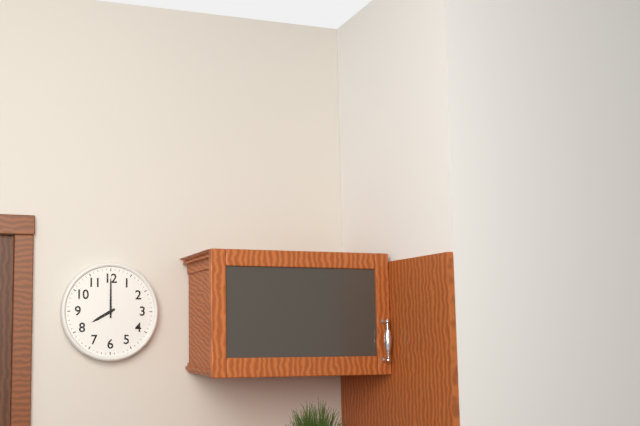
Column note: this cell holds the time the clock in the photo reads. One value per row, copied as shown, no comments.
8:00
